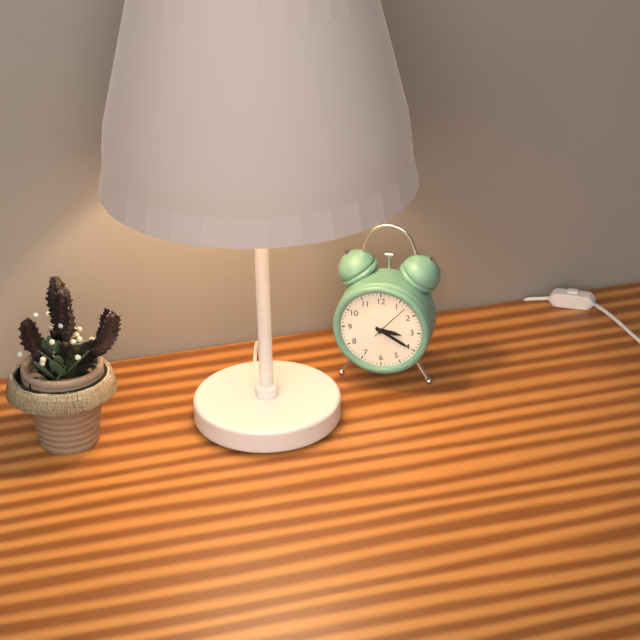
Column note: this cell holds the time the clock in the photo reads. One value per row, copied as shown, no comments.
3:20
